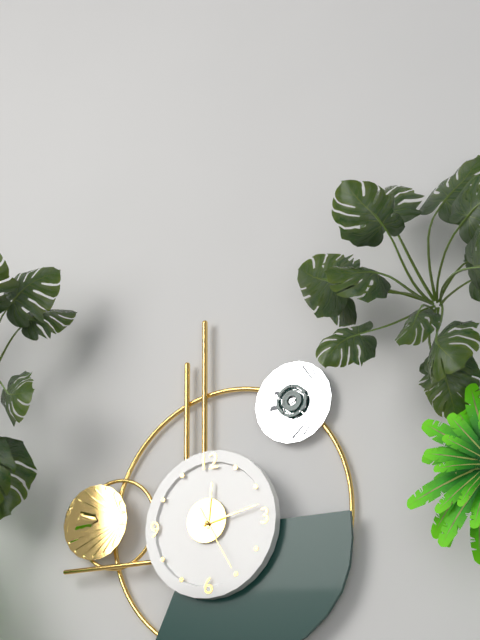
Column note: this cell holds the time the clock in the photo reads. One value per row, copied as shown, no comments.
12:13:25
